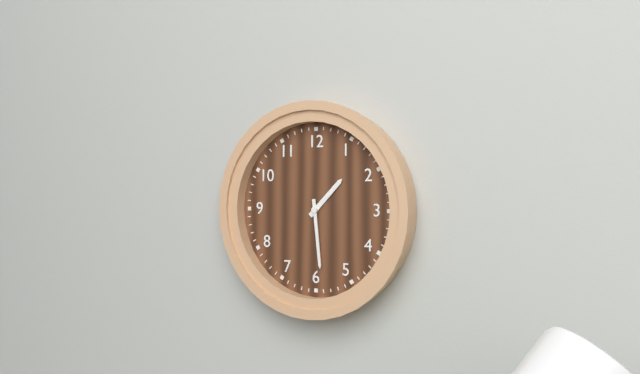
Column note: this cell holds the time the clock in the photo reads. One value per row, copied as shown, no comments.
1:29
